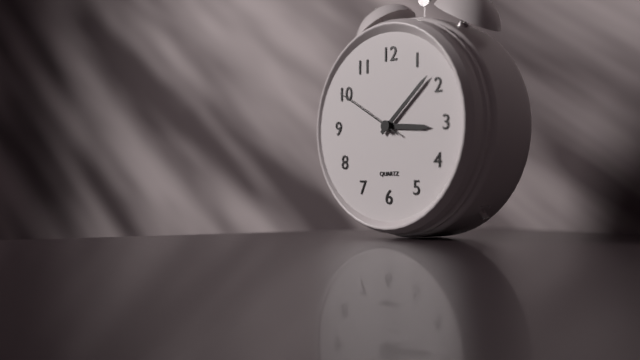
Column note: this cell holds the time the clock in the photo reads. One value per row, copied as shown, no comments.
3:08:50
